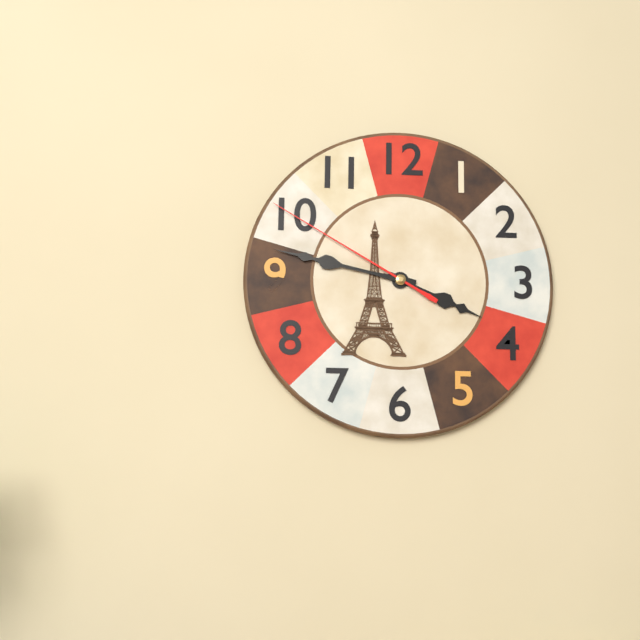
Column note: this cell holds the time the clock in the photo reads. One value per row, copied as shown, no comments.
3:47:50
